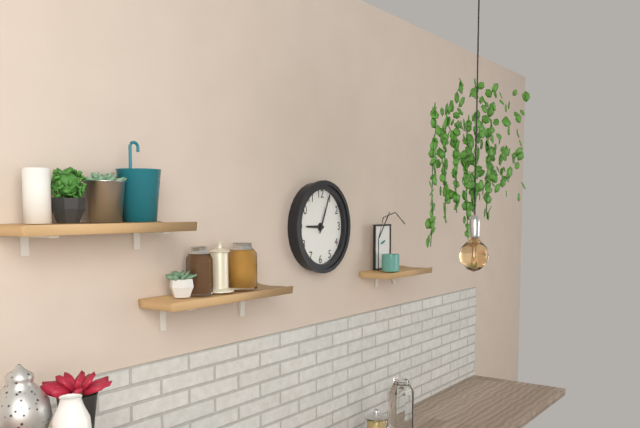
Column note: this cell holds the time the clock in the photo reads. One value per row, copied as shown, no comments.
9:04
